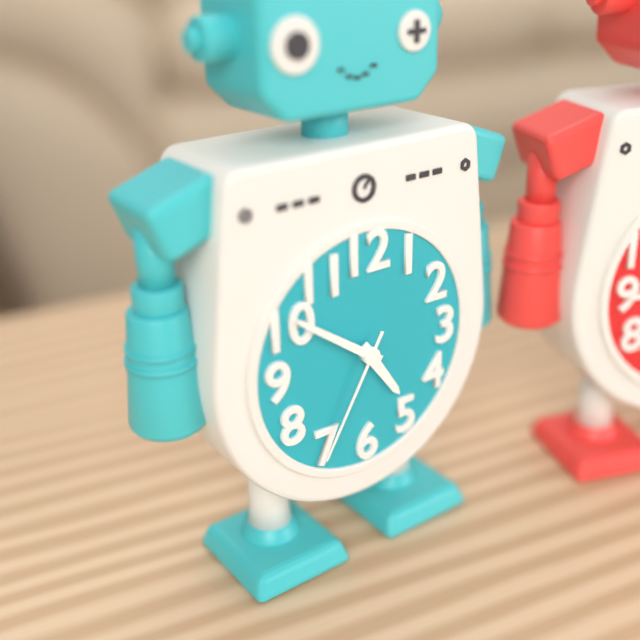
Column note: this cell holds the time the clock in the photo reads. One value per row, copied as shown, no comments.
4:51:35
